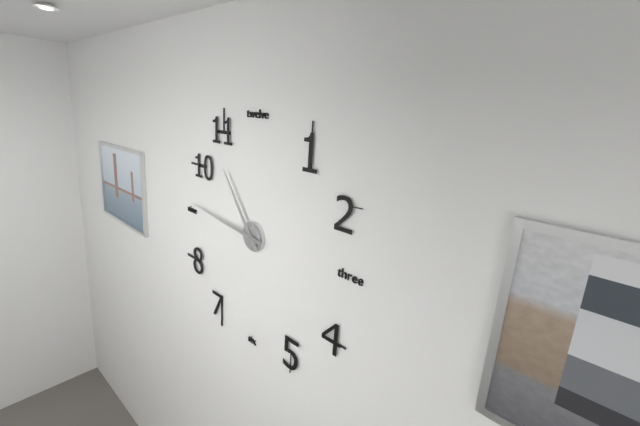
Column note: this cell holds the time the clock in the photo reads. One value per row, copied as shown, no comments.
10:46
